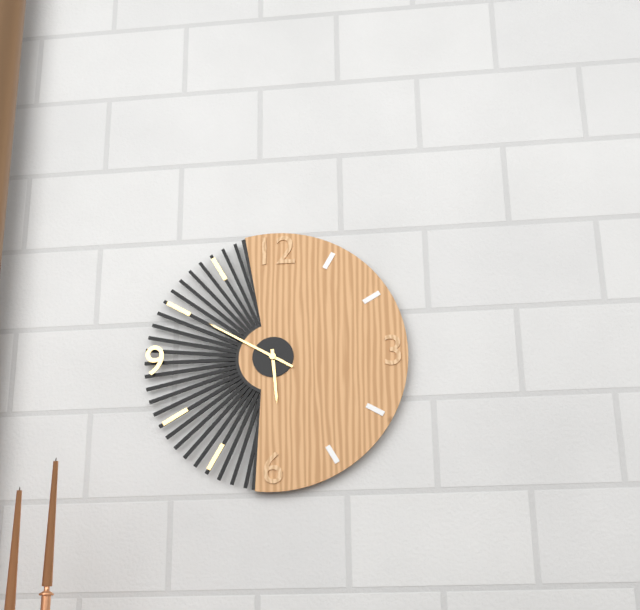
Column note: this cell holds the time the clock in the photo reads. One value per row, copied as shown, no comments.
5:50
